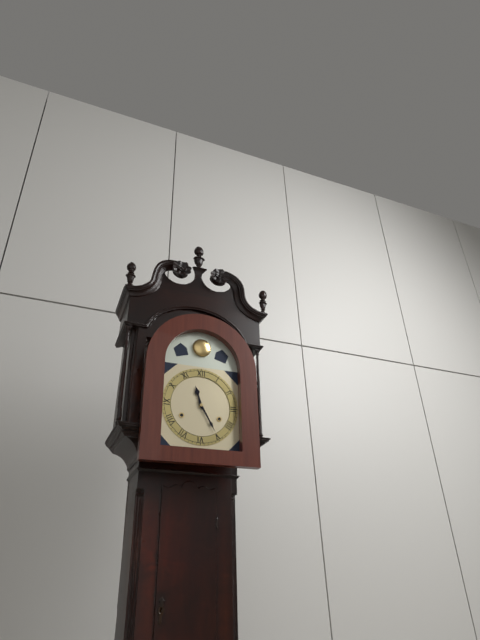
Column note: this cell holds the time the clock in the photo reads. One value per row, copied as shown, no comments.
11:25
